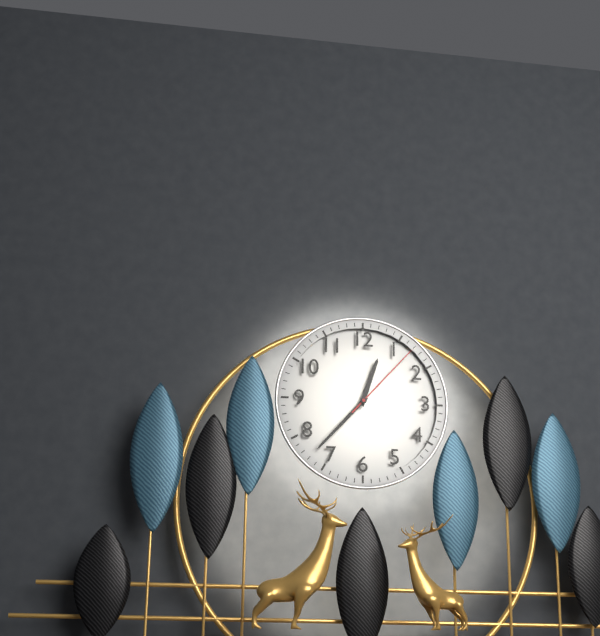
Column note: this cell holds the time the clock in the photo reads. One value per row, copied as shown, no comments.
12:37:07
